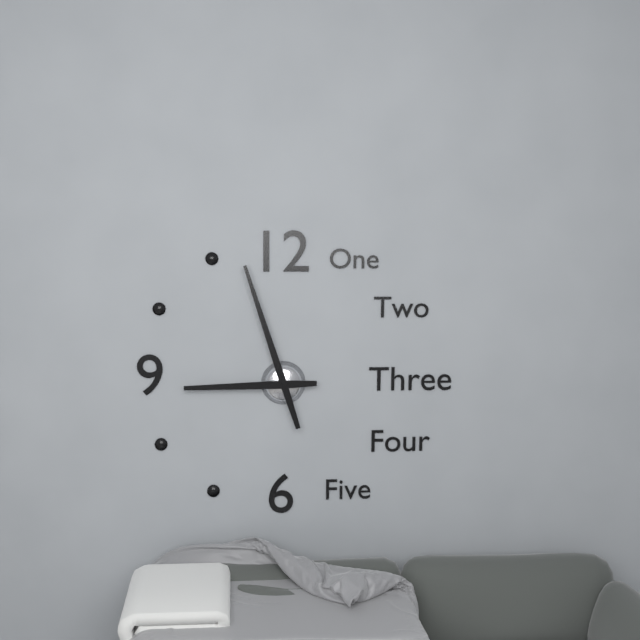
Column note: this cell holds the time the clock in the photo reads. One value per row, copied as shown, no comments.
8:57
